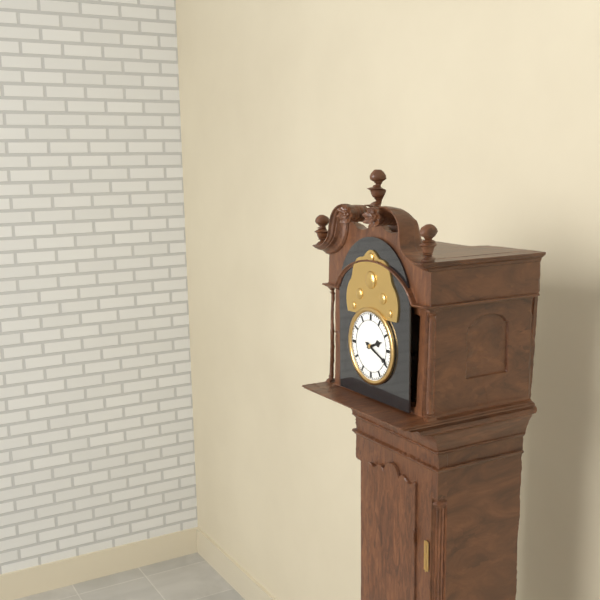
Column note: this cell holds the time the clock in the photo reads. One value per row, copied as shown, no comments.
2:19
